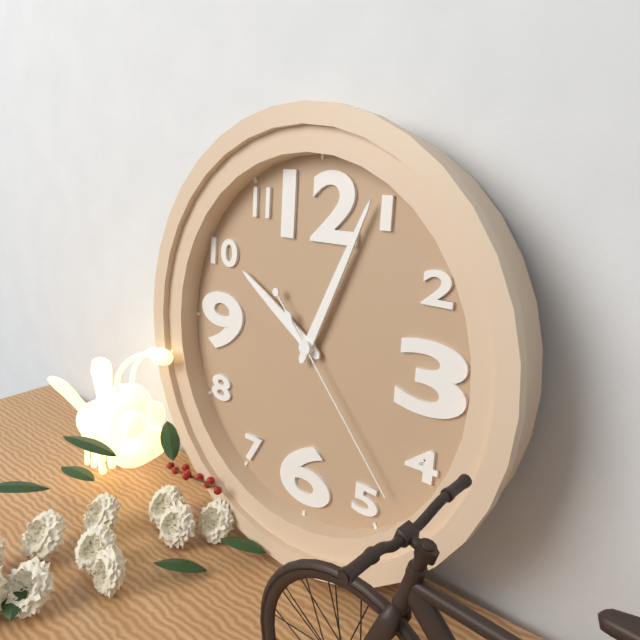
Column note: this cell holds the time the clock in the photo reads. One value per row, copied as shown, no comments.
10:04:23
